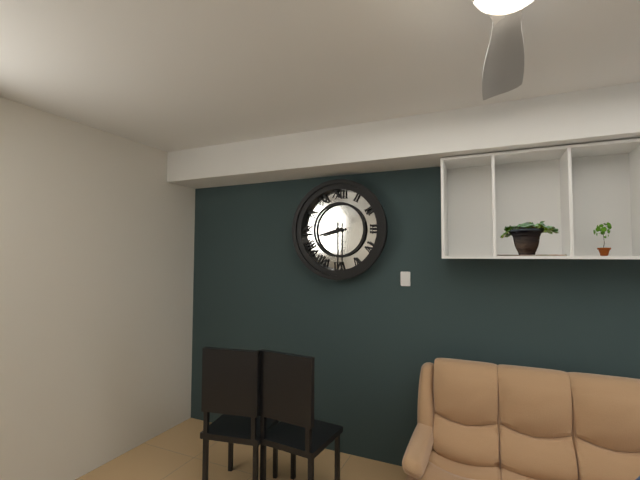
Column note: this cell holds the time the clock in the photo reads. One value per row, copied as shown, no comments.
8:30
